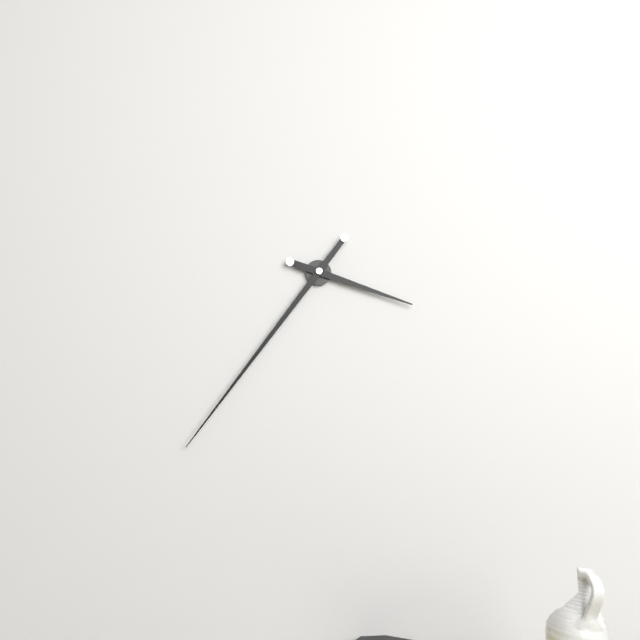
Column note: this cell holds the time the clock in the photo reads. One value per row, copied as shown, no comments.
3:36
